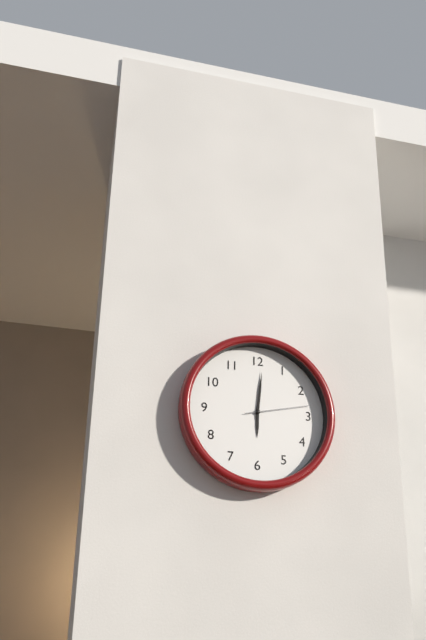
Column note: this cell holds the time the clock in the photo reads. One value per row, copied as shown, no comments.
6:01:13
